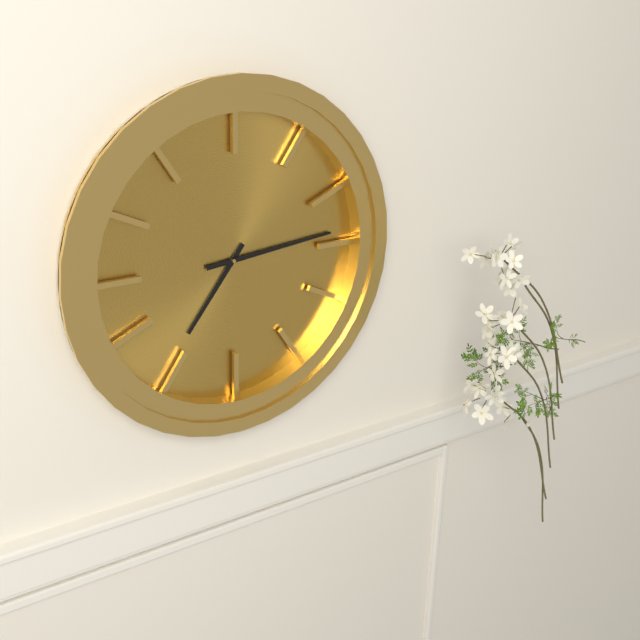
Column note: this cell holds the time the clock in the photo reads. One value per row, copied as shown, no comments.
7:14
